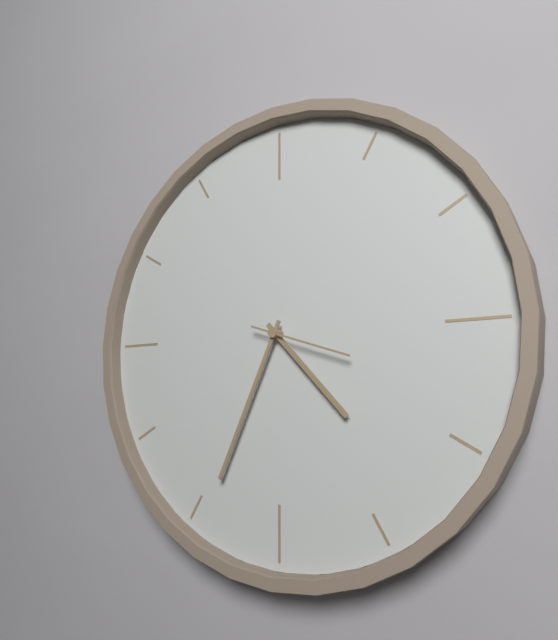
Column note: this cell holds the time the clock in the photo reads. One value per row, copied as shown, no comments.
4:34:18
